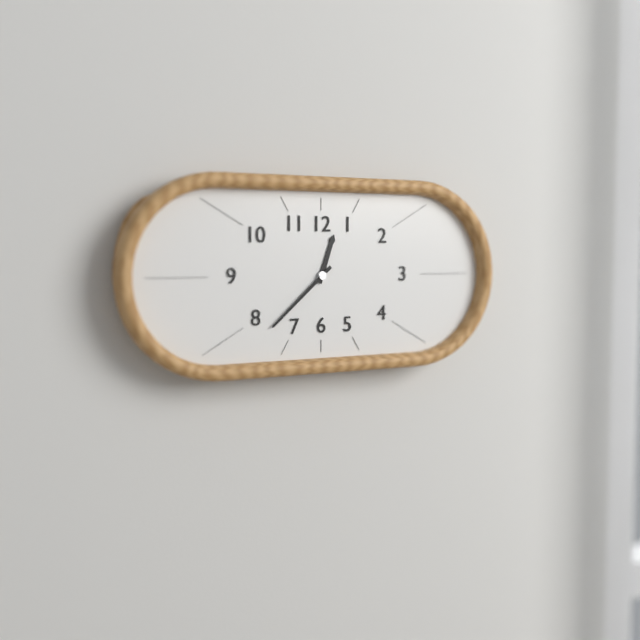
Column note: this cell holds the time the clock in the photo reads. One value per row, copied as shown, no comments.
12:38
